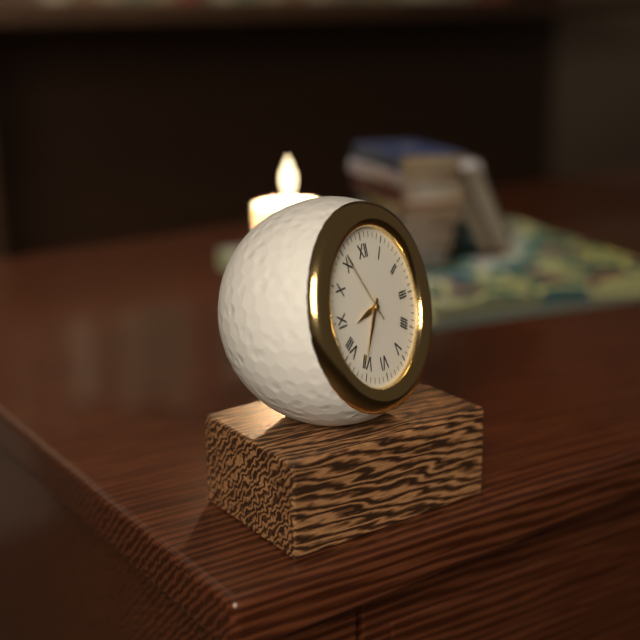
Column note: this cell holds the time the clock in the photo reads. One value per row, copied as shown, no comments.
8:36:55
